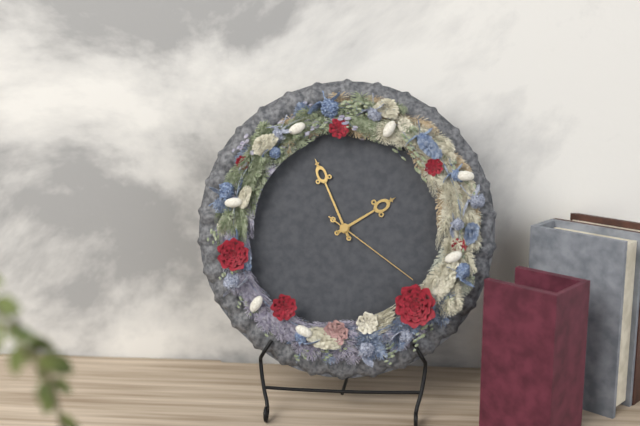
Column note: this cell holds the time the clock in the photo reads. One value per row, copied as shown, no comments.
1:56:21
